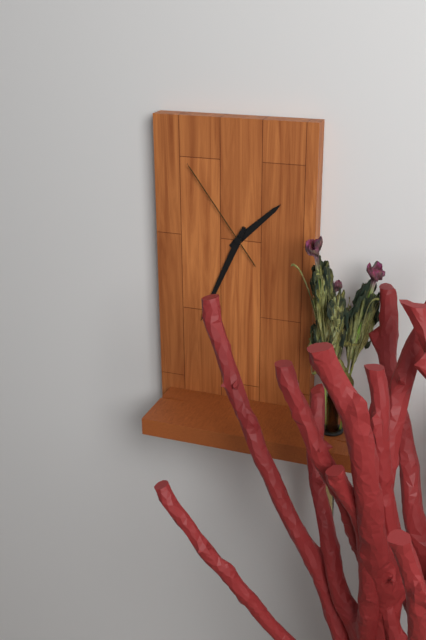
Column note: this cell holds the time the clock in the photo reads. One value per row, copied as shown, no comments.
1:34:54
